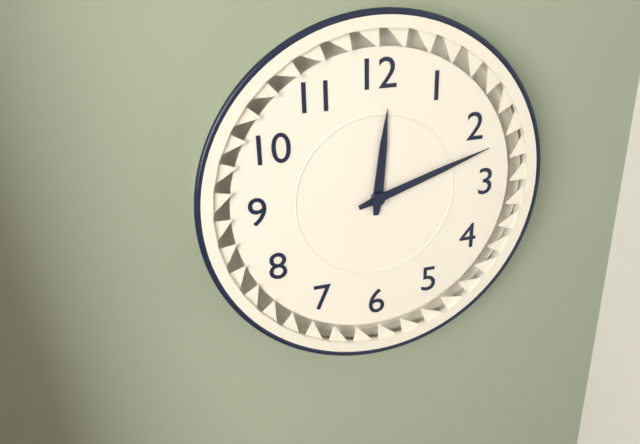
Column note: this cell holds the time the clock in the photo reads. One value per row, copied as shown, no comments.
12:12
